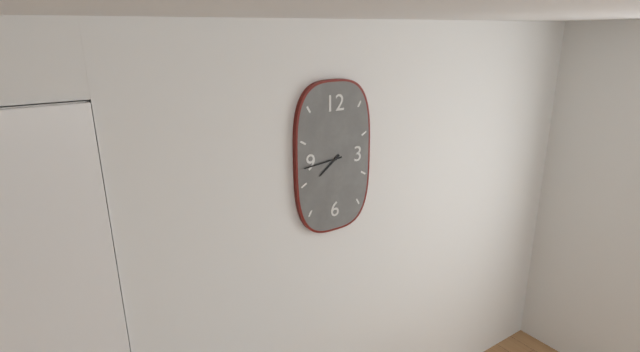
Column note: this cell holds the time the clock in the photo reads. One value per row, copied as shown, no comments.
7:44
